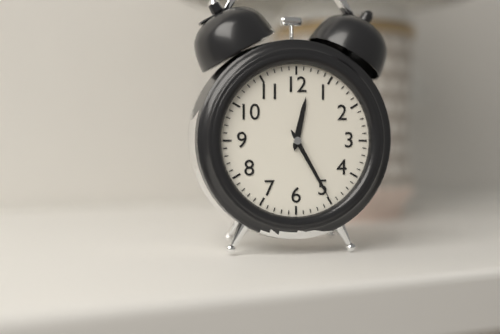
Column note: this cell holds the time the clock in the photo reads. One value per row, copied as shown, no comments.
12:25
